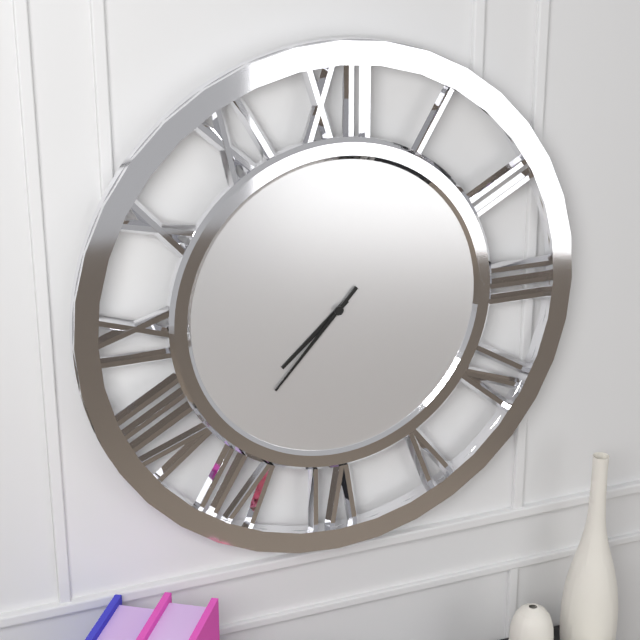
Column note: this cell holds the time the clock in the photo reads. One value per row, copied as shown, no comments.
7:37
